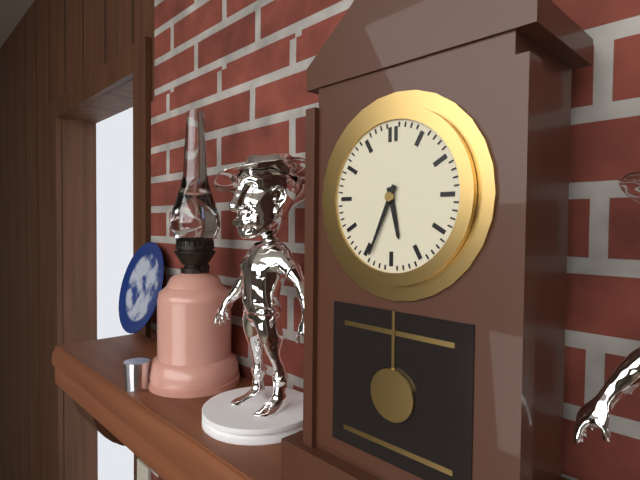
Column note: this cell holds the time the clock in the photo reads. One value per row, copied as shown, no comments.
5:34
